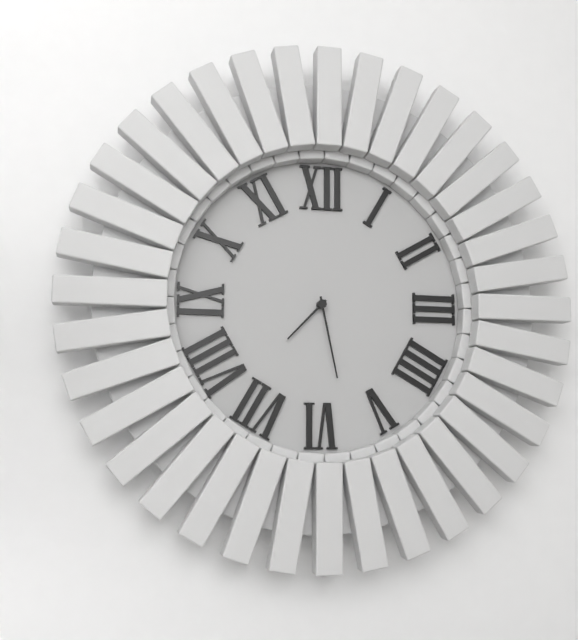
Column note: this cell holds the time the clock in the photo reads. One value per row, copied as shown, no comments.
7:28
